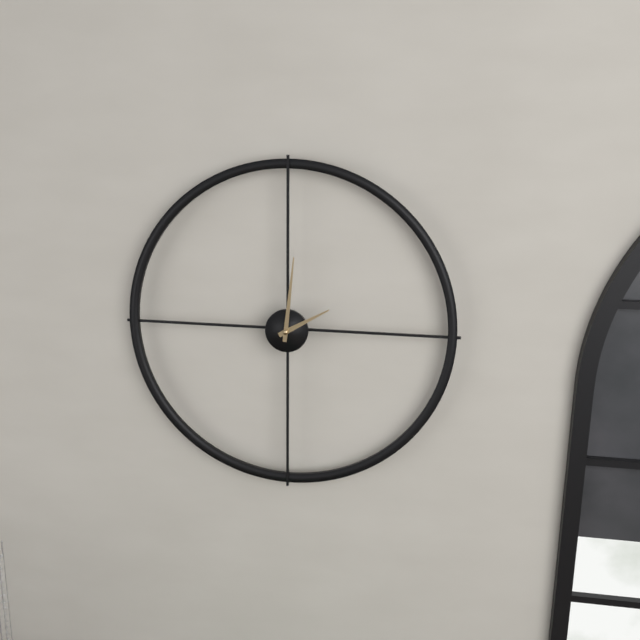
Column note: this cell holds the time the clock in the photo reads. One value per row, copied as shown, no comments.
2:01
